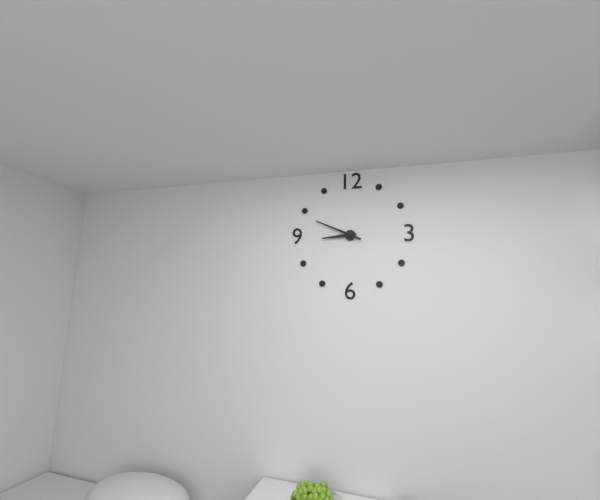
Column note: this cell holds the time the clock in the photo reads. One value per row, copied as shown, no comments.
8:49
